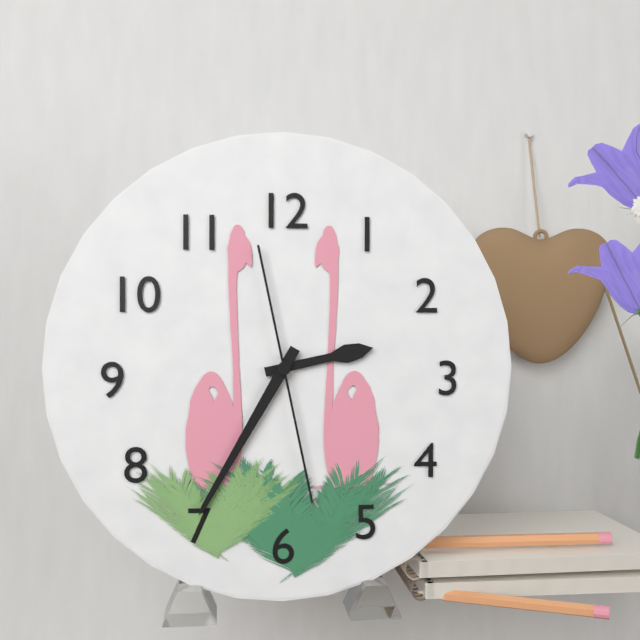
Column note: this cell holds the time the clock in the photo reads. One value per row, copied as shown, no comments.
2:35:28
